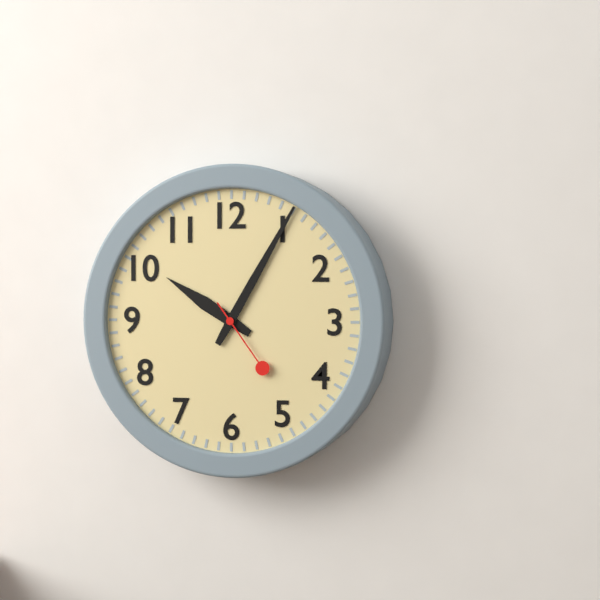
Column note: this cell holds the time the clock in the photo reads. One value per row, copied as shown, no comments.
10:05:24
